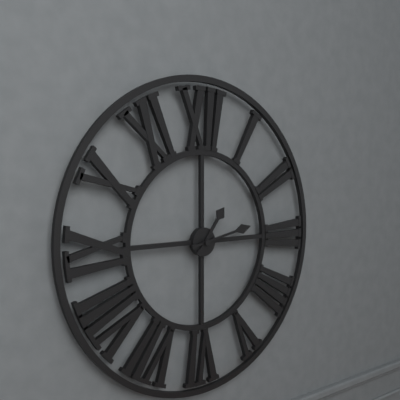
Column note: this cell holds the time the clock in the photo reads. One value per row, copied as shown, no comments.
1:13
